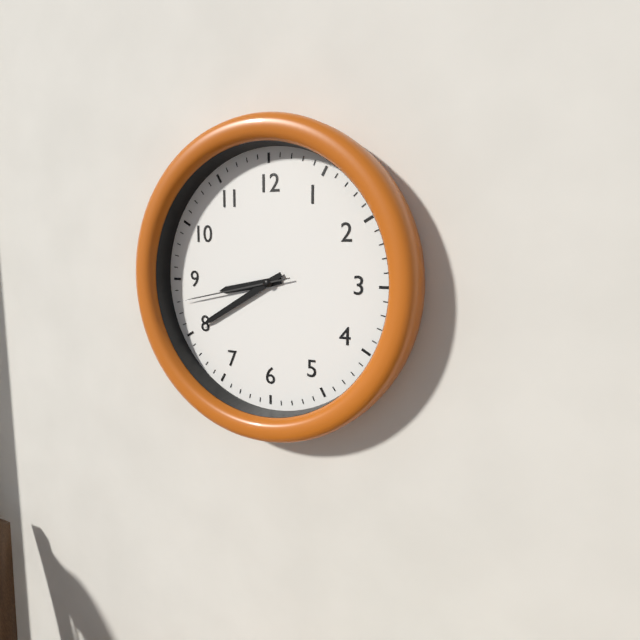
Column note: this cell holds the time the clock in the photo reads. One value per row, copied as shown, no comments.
8:40:43
